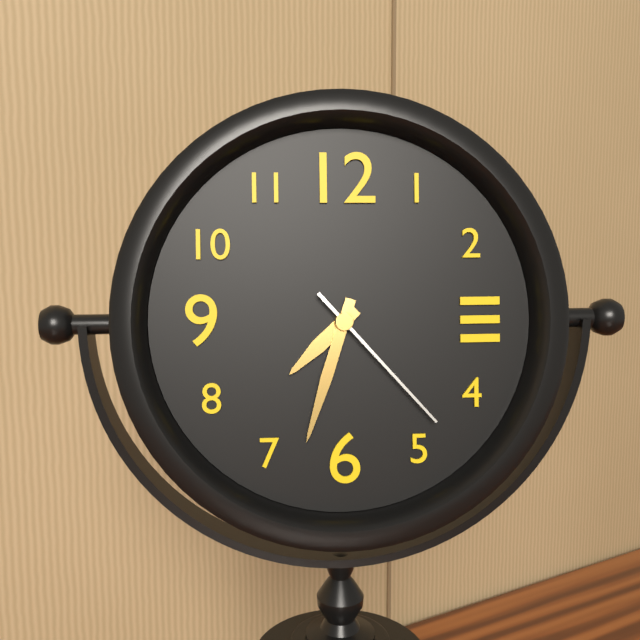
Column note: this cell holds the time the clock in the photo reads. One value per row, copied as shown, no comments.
7:33:23
